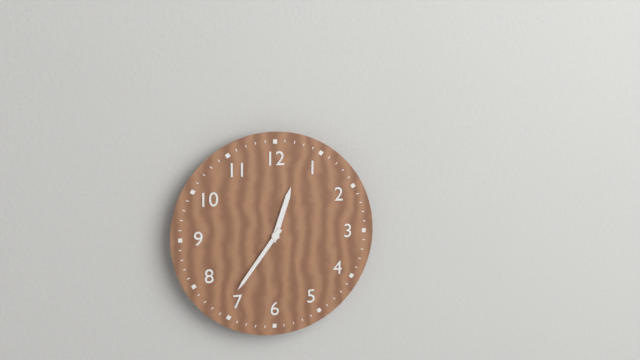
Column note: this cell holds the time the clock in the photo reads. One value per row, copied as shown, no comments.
12:36
